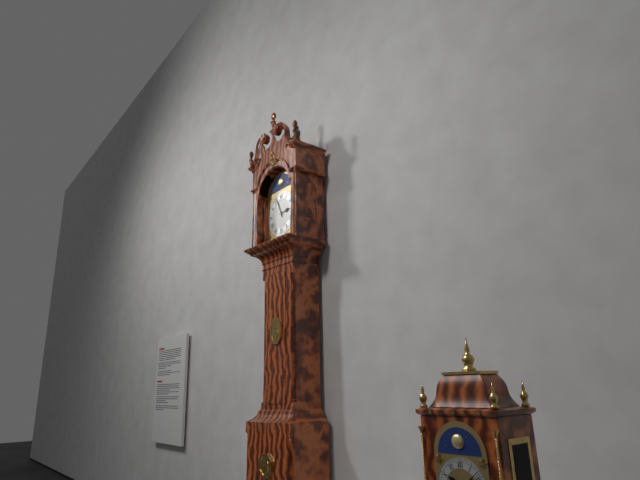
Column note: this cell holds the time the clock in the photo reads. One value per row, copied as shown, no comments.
2:56
